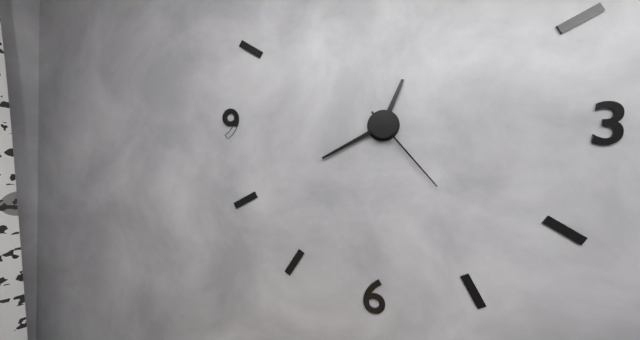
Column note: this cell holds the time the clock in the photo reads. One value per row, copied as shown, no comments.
12:40:23
